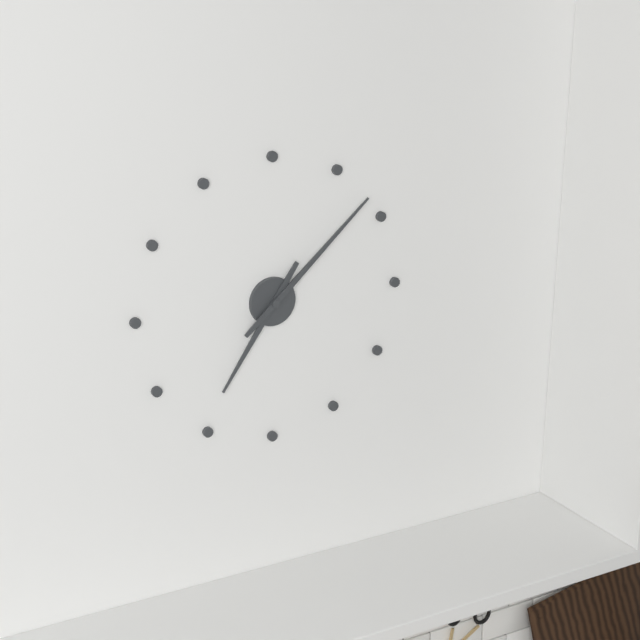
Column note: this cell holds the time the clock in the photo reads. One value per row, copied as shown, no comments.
7:08
